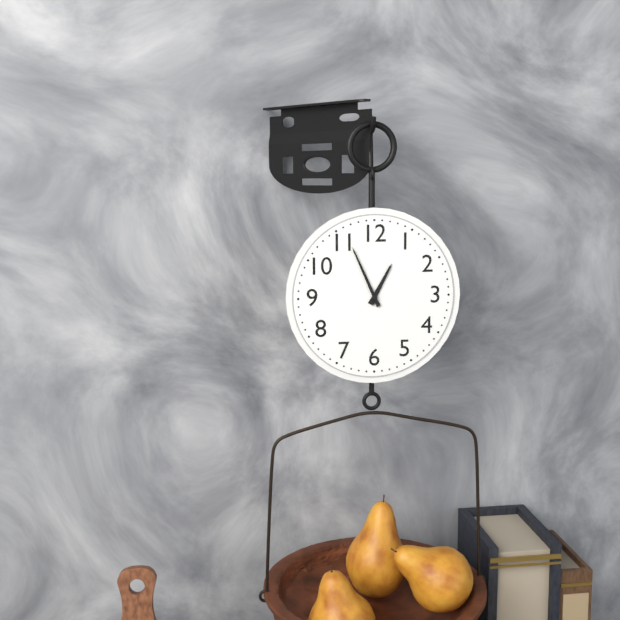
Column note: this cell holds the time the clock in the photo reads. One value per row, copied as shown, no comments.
12:56
